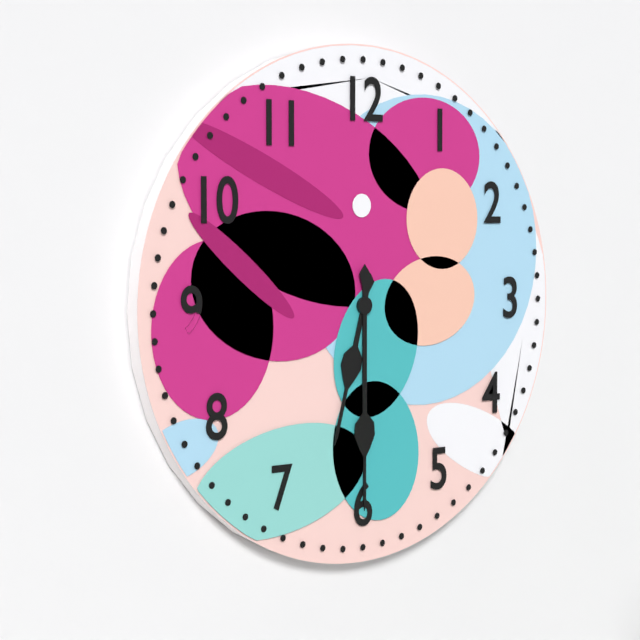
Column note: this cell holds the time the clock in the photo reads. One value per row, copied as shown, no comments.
6:30
